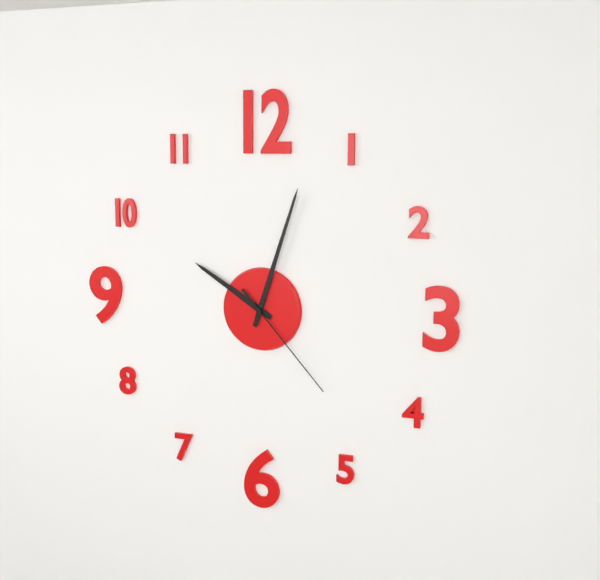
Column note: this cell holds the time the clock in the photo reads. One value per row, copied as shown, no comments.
10:03:23
